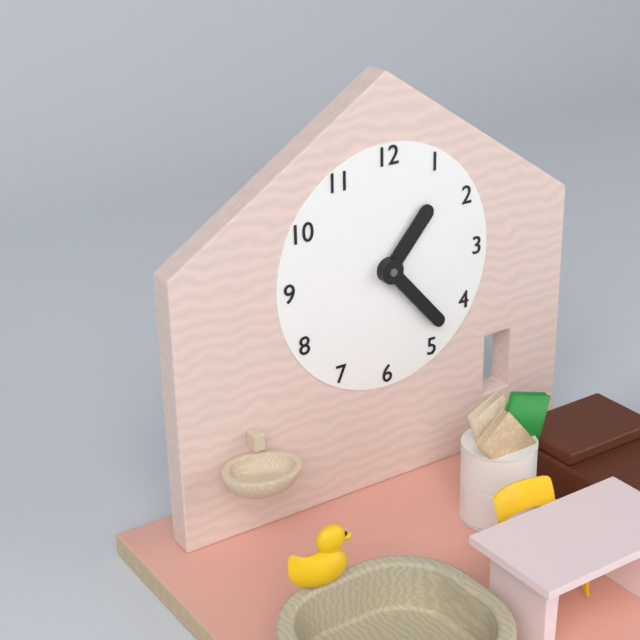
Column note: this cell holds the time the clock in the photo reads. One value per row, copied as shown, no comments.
1:23
